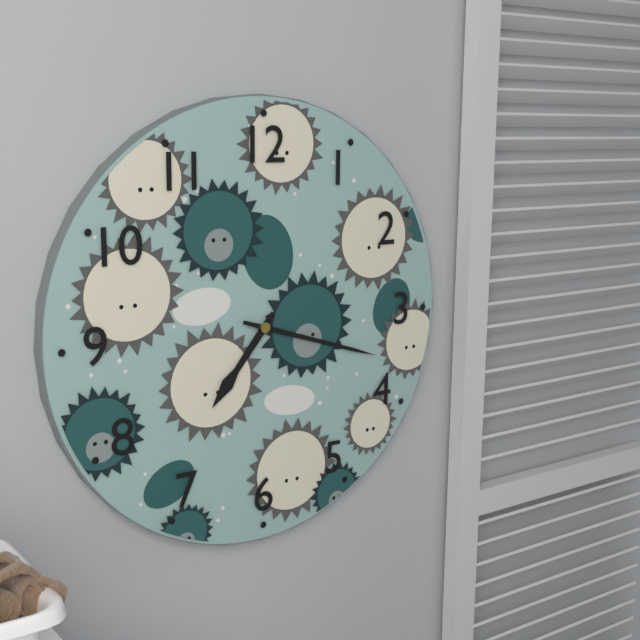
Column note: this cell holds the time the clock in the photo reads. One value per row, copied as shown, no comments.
7:18
